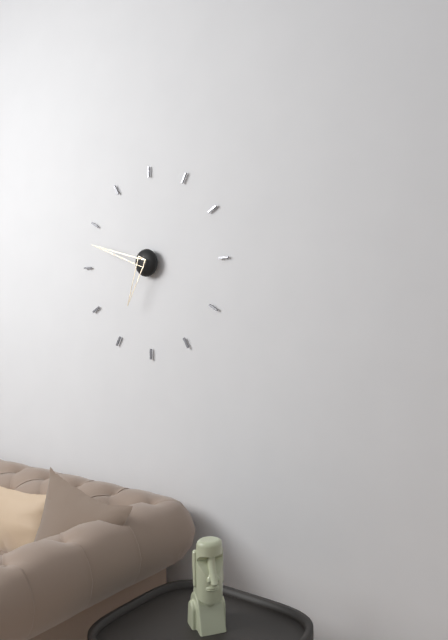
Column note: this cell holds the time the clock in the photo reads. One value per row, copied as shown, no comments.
6:48
